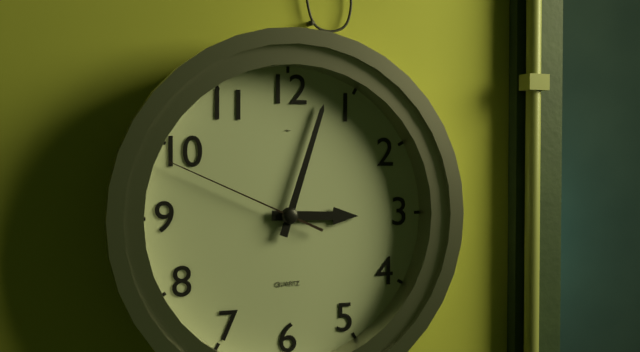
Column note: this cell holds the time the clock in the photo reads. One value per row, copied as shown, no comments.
3:03:49
